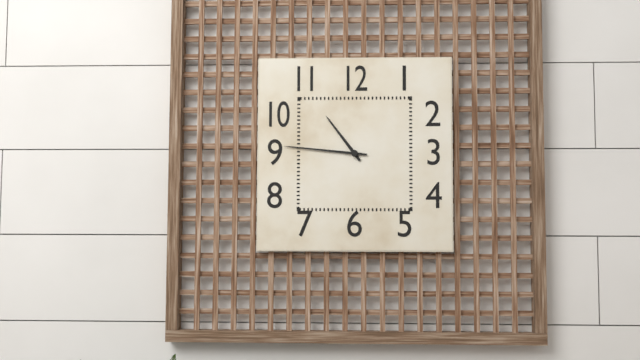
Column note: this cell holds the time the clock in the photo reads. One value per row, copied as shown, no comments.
10:46
